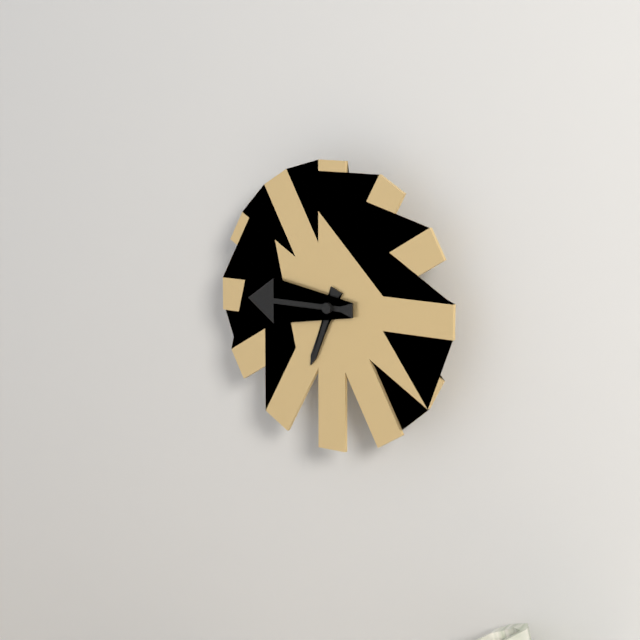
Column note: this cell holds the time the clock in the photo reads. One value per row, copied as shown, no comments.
6:45
